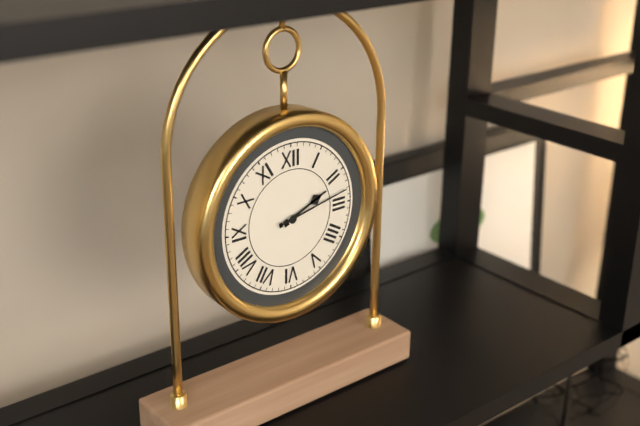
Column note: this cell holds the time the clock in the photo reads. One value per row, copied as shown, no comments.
2:13
